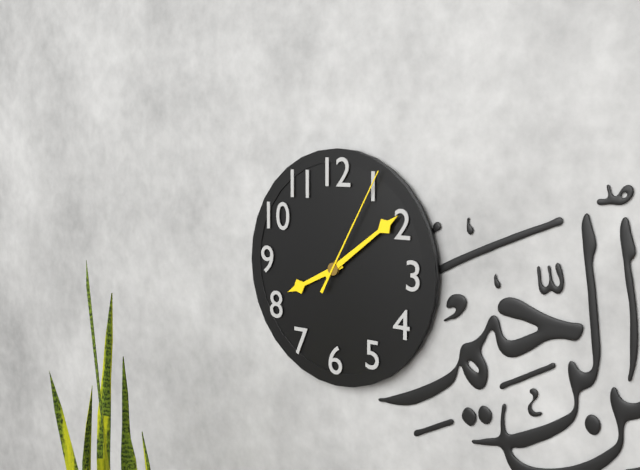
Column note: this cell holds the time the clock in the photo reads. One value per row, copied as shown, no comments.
8:09:05
